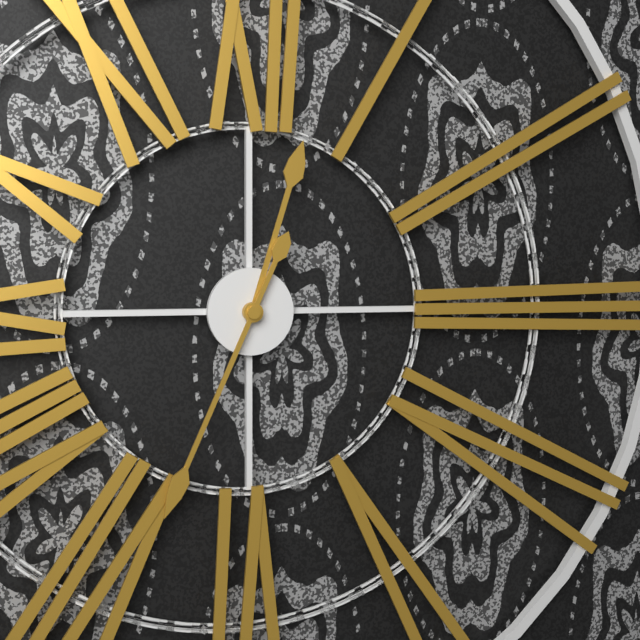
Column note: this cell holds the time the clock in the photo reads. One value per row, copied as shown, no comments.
12:34
